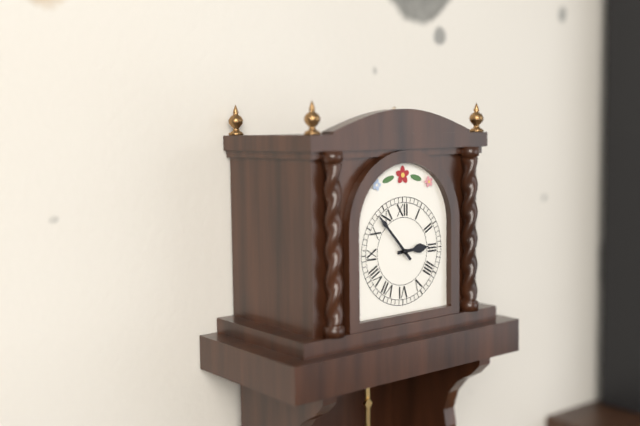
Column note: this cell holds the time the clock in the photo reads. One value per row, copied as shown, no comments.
2:53
